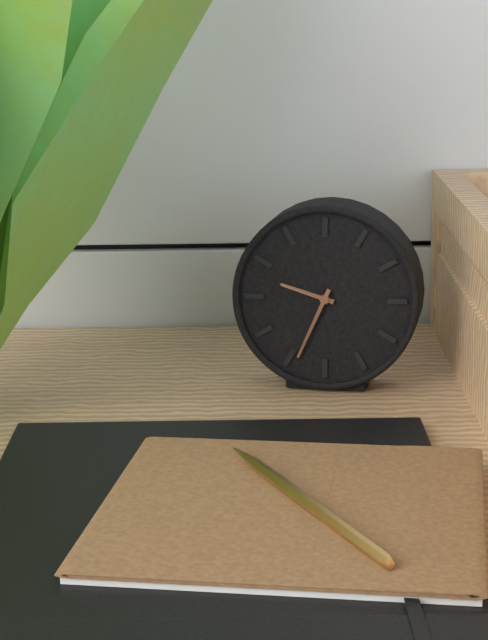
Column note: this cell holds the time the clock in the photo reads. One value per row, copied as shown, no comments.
9:34
